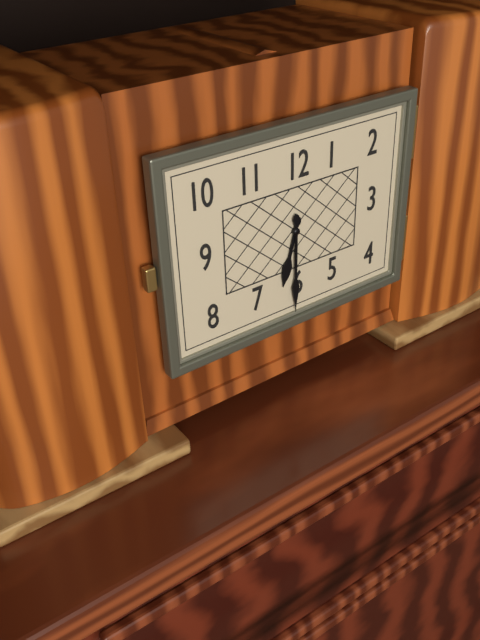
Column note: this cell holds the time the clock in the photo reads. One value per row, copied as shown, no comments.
6:30
